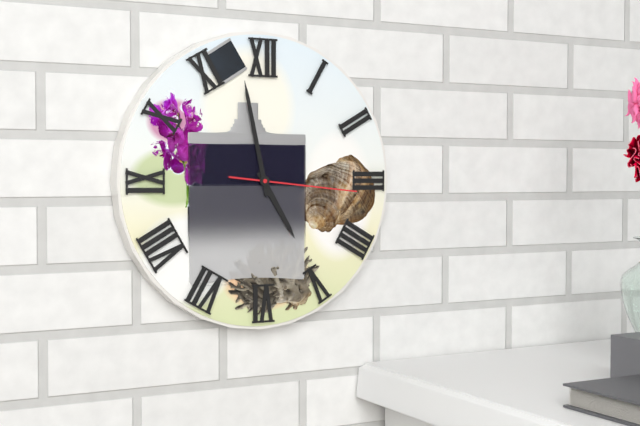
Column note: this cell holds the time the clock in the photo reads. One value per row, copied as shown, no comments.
4:58:16
